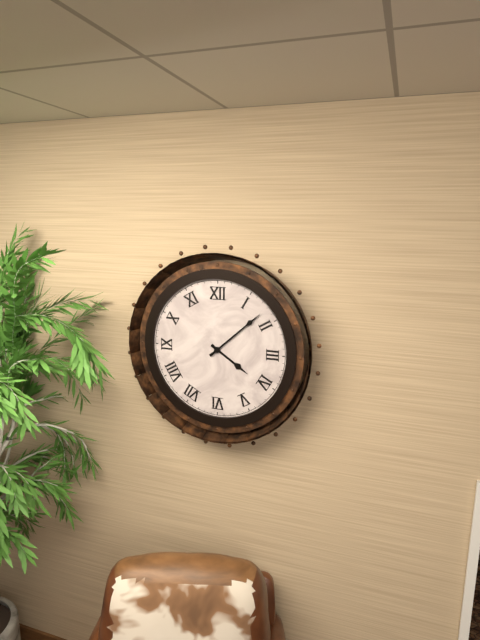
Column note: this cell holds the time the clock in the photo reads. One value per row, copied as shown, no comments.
4:08
